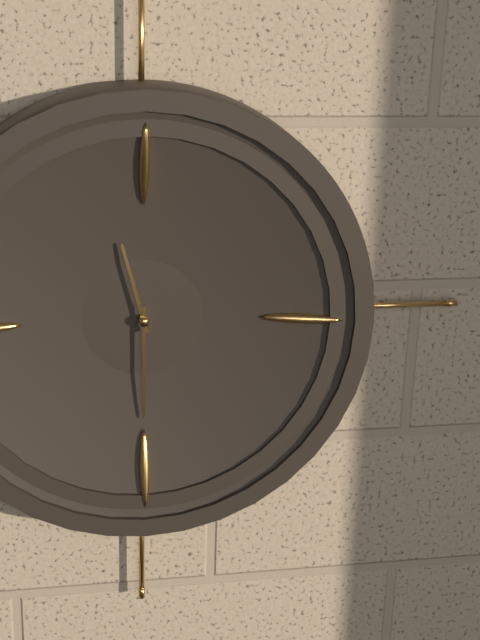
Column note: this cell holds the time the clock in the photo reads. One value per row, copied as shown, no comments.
11:30
